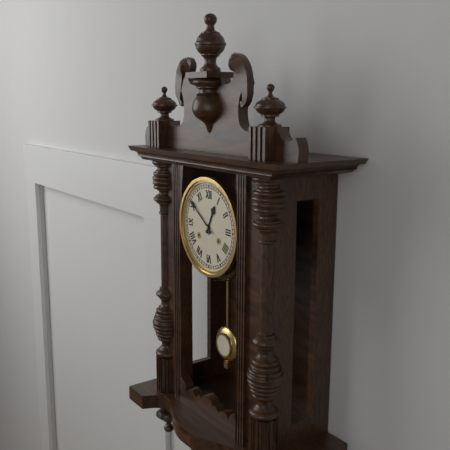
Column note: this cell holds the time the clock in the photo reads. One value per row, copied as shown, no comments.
12:51
